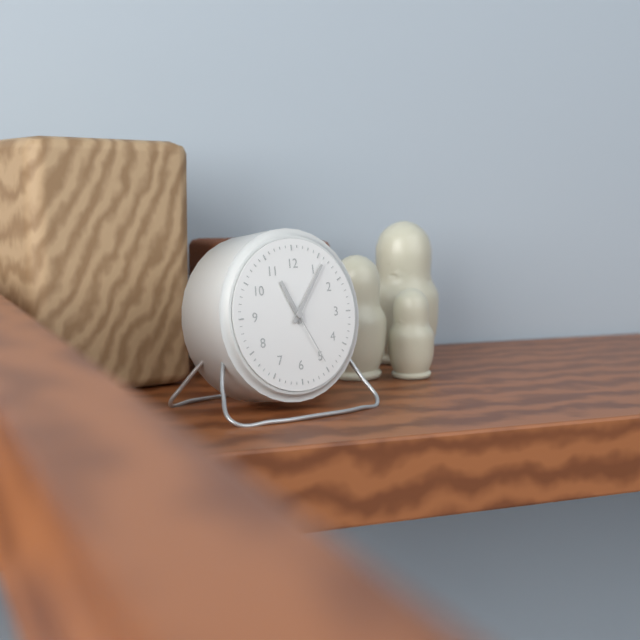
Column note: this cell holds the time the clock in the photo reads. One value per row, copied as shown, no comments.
11:06:25
